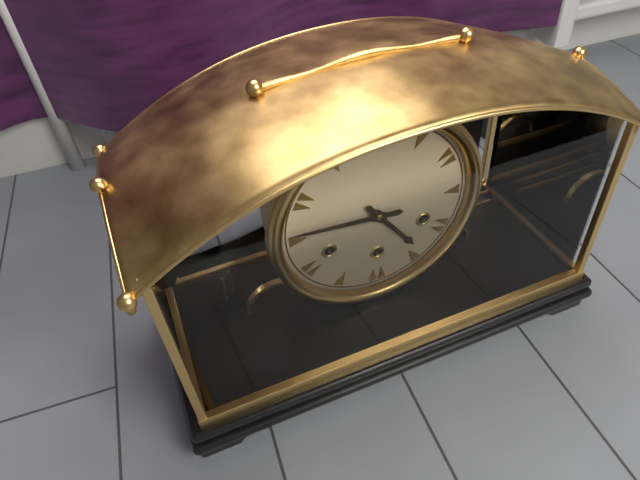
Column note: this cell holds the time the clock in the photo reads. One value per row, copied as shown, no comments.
4:46
